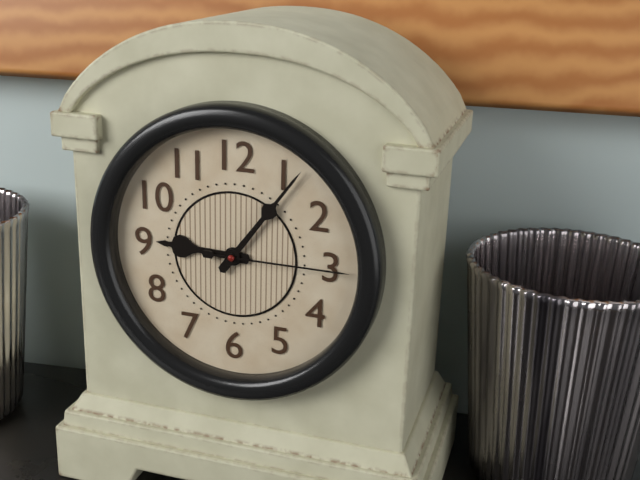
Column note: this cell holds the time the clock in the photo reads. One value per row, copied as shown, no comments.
9:06:15
